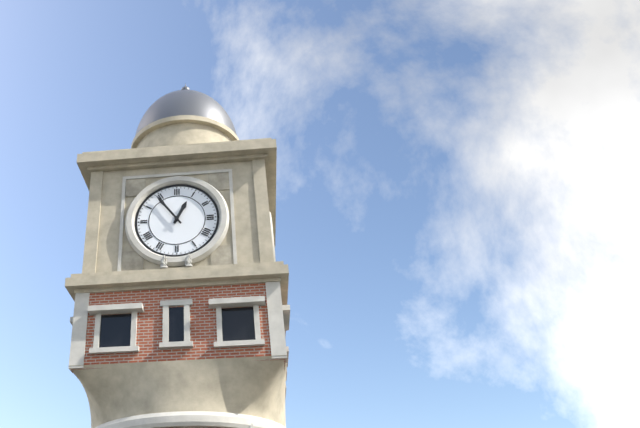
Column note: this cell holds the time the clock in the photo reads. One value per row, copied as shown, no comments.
12:54
